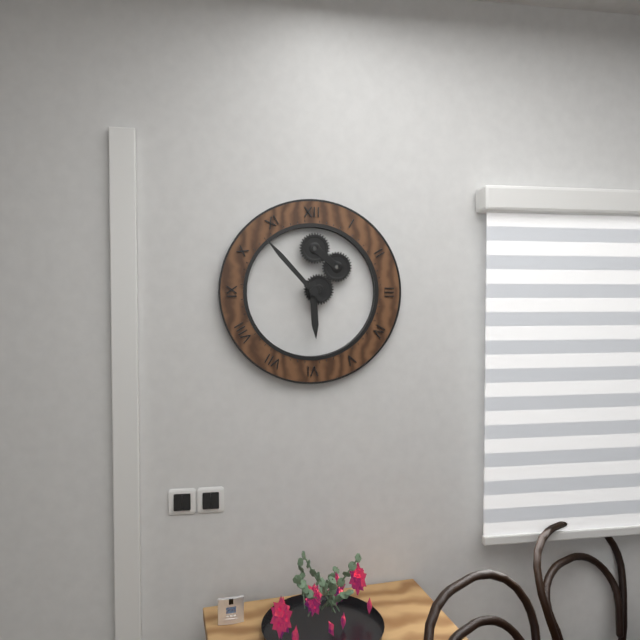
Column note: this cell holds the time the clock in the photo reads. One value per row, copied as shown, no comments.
5:53
